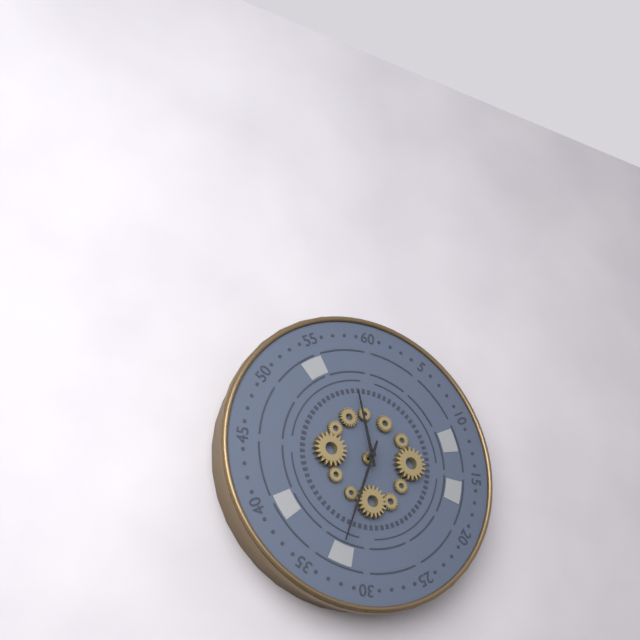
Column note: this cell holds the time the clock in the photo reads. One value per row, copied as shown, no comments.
11:33
